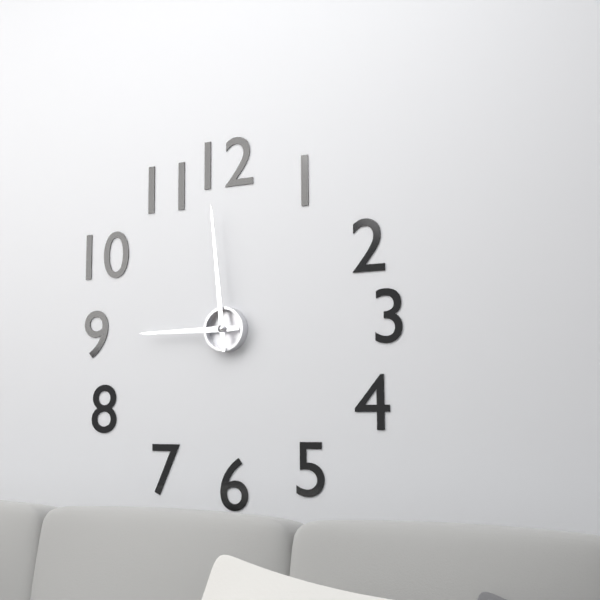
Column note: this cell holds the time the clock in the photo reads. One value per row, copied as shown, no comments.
8:59
